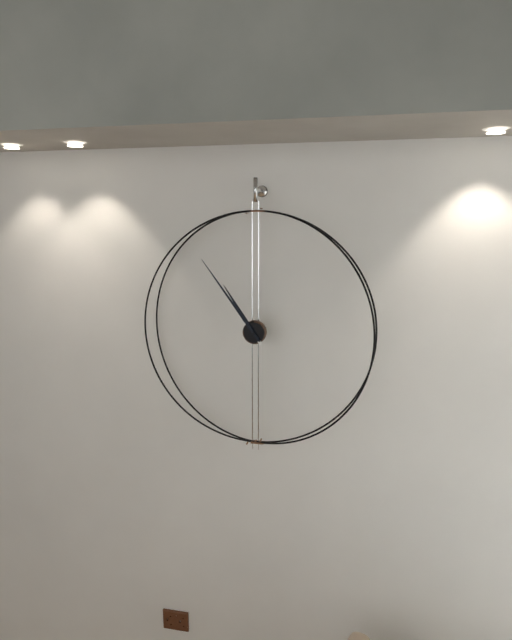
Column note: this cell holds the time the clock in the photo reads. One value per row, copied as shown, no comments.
10:54
